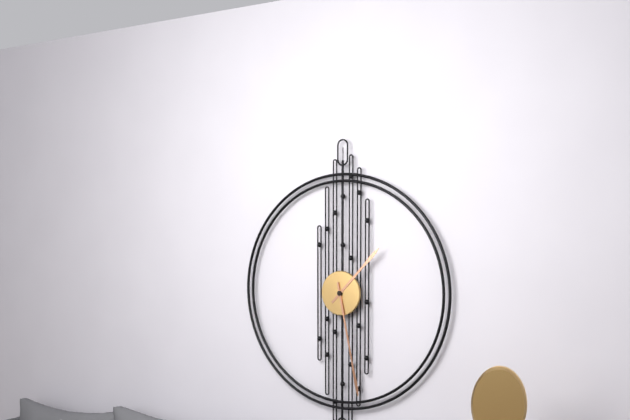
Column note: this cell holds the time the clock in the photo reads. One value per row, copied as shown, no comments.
1:28
